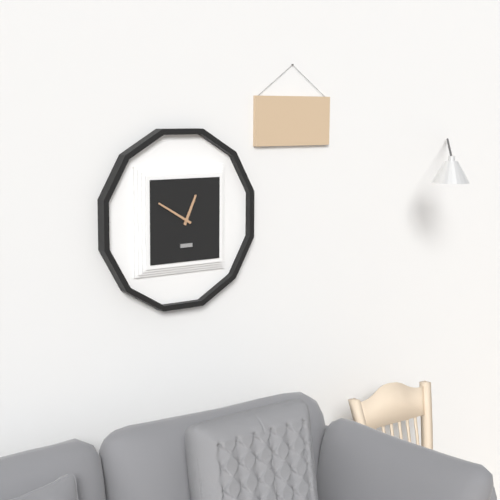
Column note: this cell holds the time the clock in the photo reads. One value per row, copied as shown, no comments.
12:50
